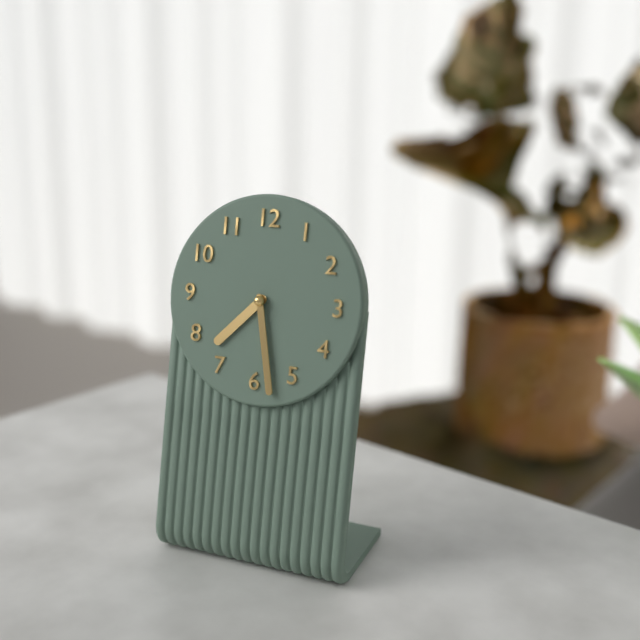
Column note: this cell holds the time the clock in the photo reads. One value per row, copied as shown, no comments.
7:28
